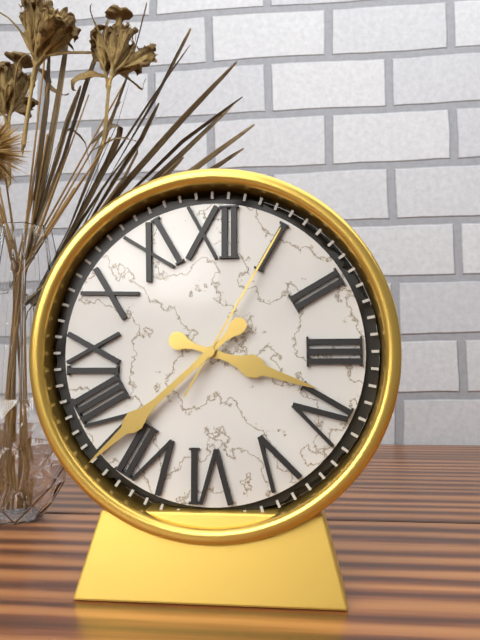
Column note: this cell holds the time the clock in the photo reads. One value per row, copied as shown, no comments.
3:38:05
